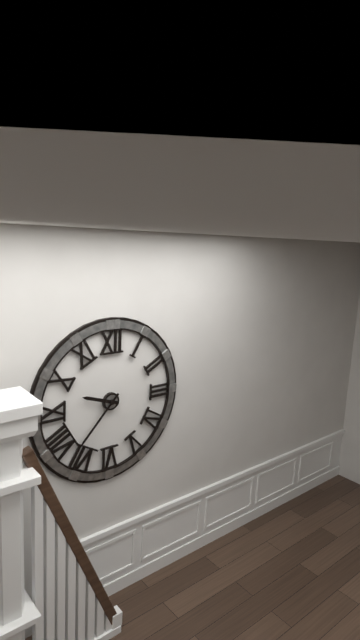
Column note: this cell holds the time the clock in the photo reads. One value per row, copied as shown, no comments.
9:37
